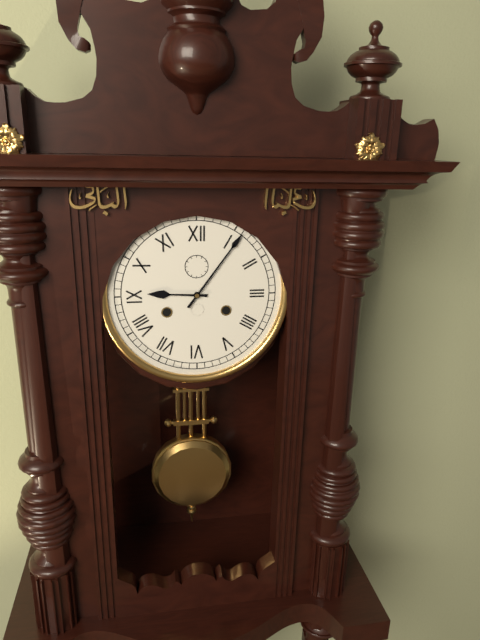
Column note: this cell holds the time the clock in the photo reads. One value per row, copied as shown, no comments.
9:06
